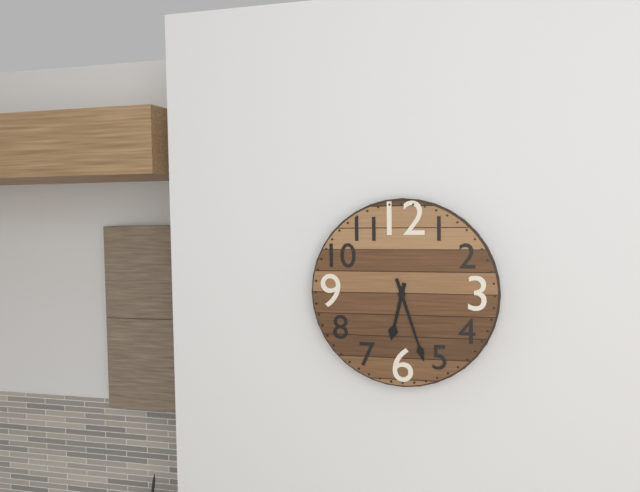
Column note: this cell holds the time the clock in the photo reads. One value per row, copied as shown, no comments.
6:27
